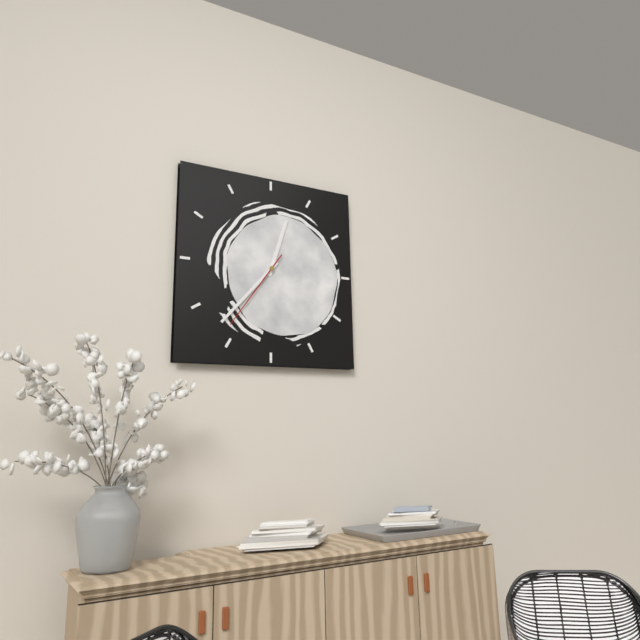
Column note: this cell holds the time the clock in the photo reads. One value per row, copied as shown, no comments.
12:37:36
